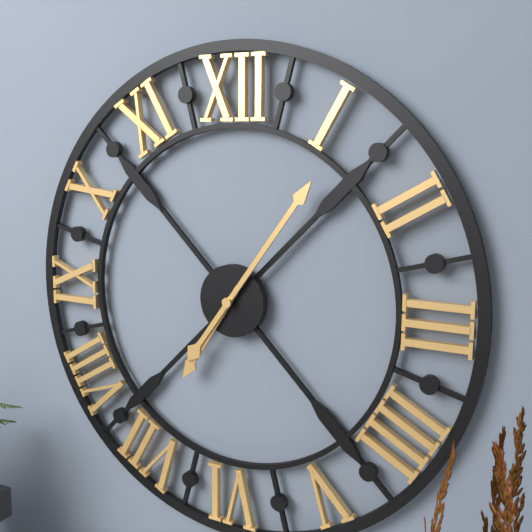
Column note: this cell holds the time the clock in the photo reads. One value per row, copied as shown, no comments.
7:06
